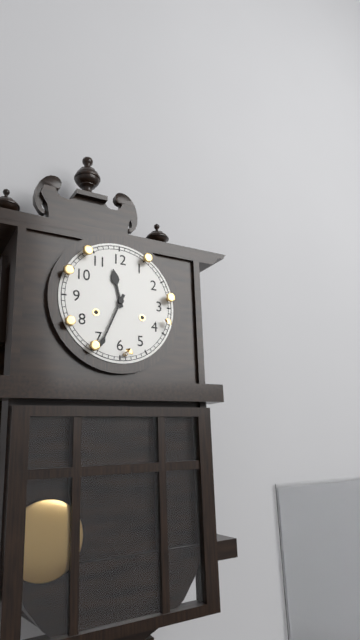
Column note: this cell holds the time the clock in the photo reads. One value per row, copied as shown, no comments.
11:34
